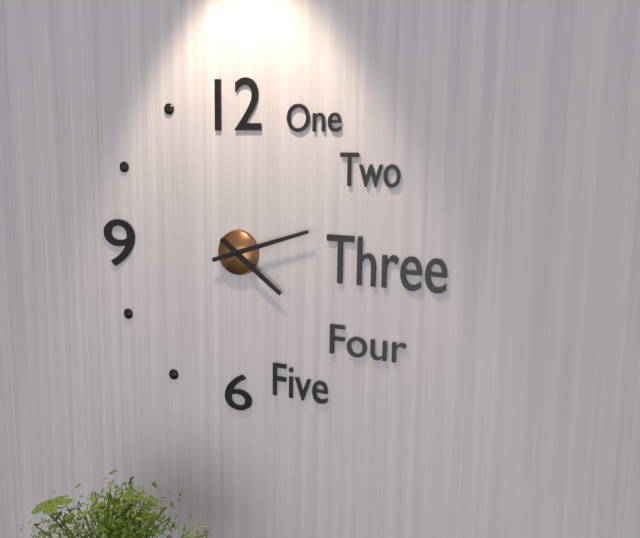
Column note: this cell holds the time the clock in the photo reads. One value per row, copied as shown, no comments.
4:12
